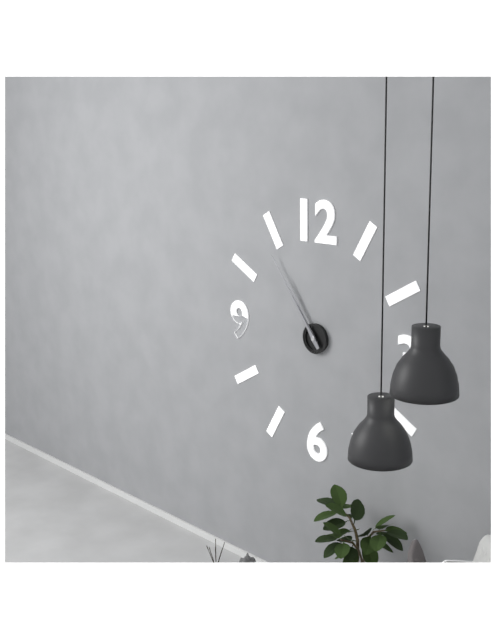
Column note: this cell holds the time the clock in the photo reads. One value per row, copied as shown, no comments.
10:54
